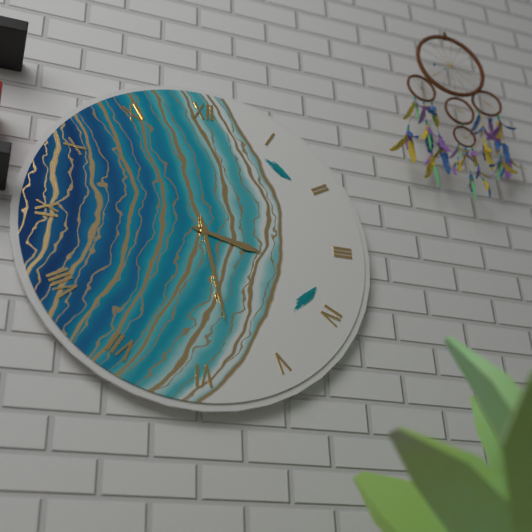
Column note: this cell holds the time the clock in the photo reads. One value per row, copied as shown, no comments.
3:28
